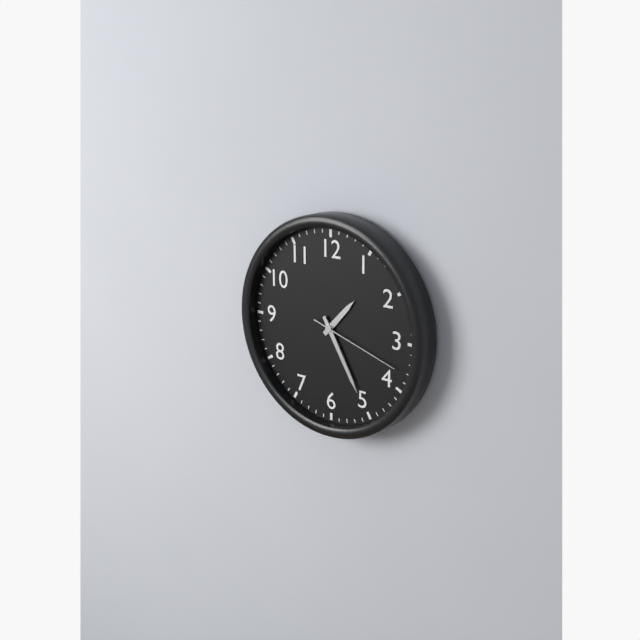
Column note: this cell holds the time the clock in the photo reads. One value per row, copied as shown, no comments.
1:25:18
